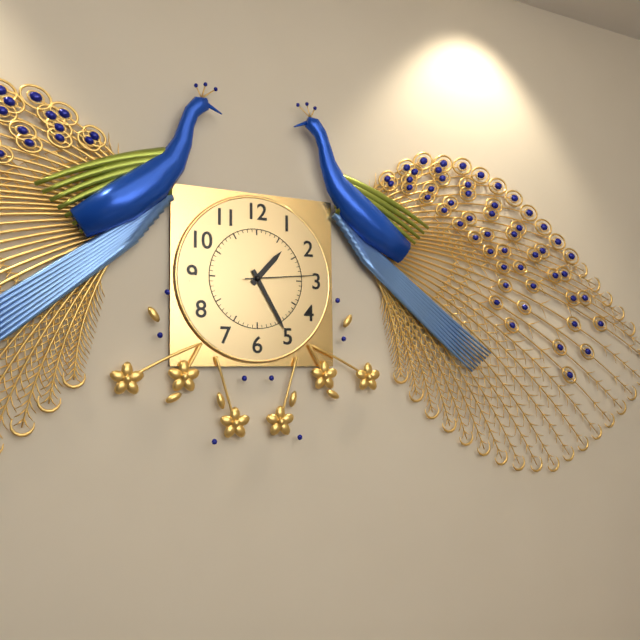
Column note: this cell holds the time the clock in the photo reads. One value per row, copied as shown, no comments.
1:25:14
